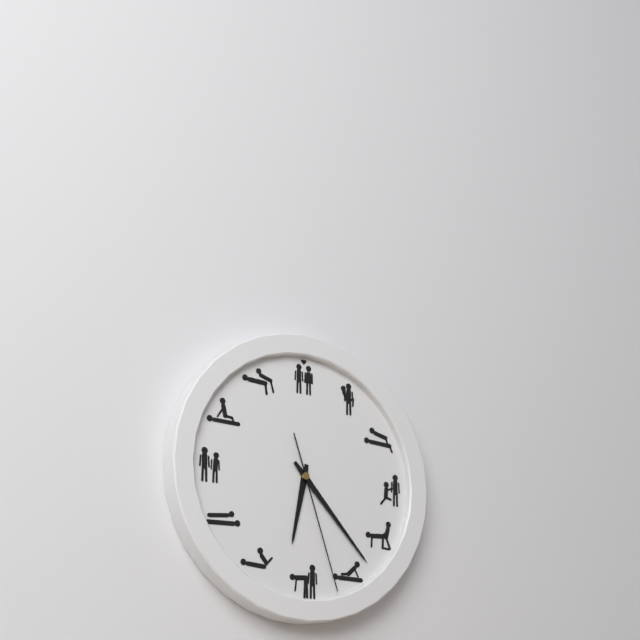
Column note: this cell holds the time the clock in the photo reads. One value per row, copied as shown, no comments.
6:23:27
